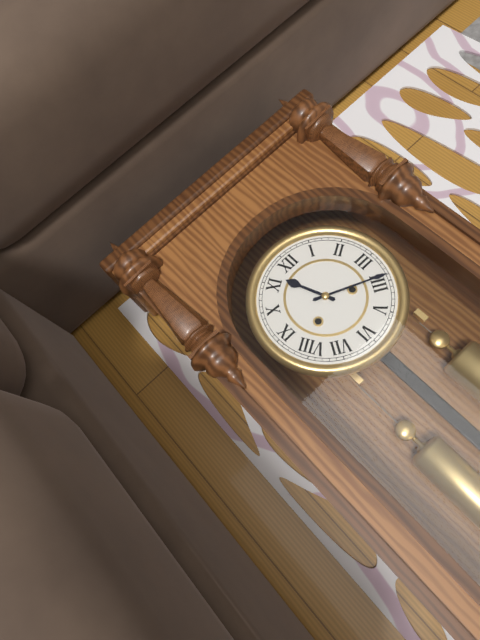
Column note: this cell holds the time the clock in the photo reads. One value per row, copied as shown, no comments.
11:19
